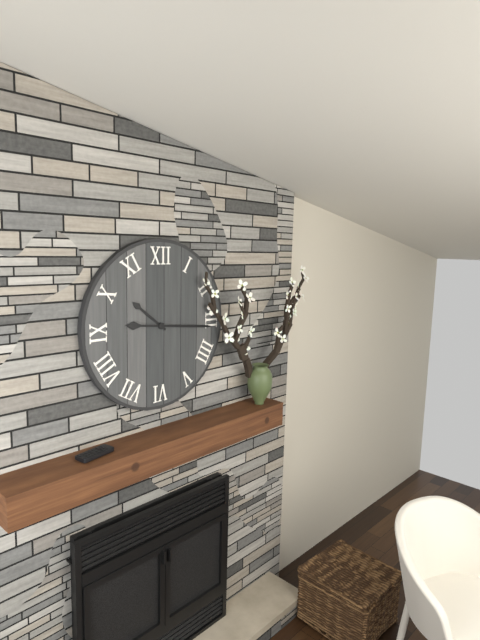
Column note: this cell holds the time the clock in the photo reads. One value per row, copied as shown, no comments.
10:16
